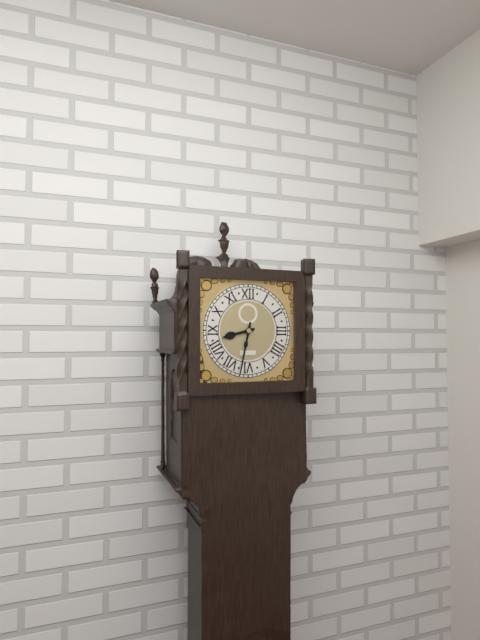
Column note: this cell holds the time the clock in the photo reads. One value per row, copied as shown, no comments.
8:32
